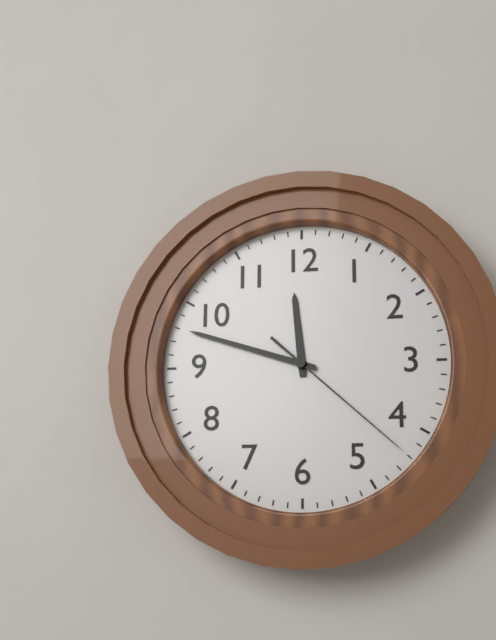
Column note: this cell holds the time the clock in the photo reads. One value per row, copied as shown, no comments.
11:48:22
